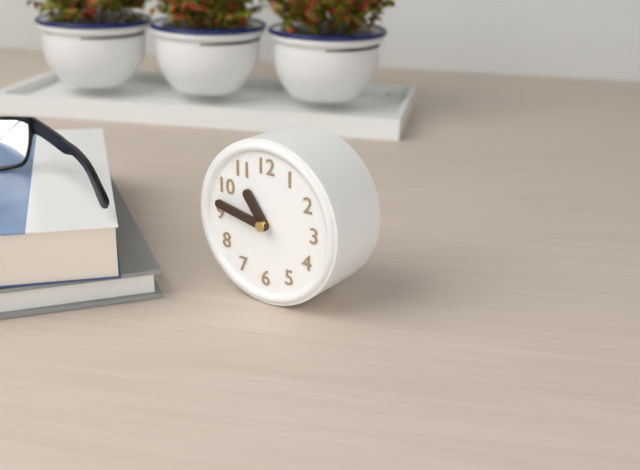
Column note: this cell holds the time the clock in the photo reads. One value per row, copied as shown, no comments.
10:47
